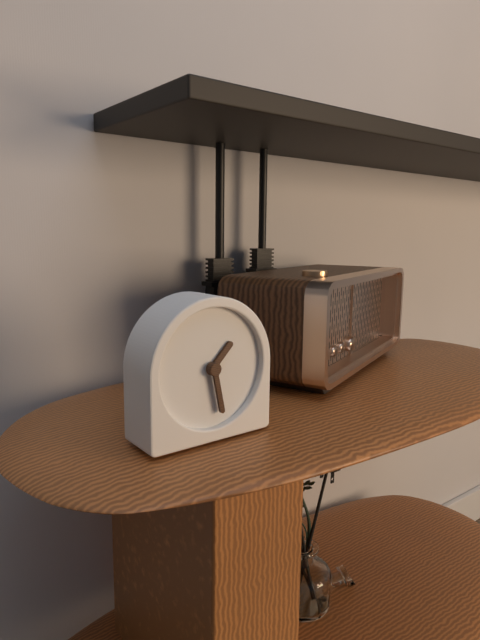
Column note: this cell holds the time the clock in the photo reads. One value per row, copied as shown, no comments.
1:28
